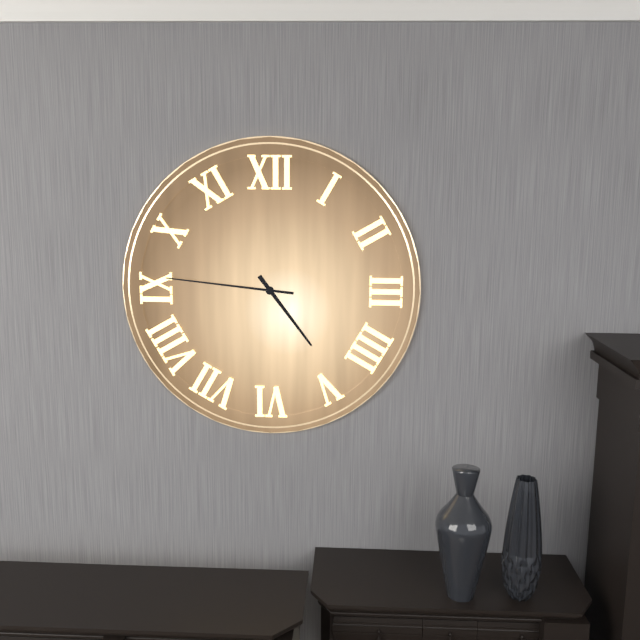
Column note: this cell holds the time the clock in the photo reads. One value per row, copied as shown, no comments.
4:46
